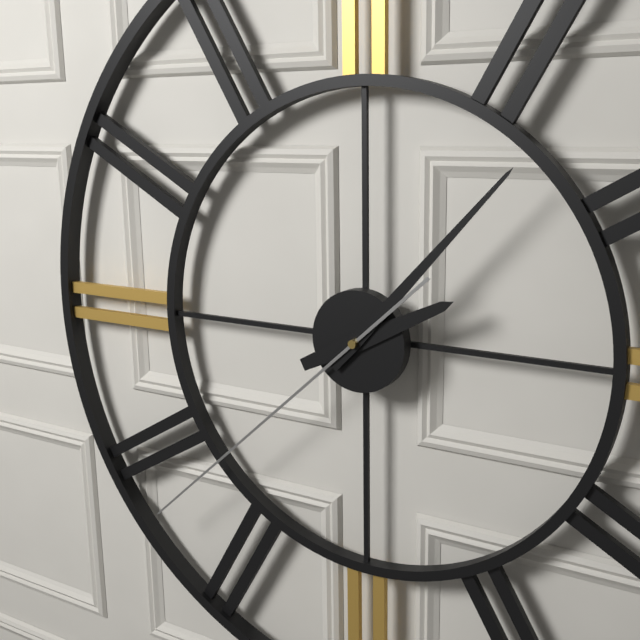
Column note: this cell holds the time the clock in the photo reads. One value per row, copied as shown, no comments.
2:07:38
